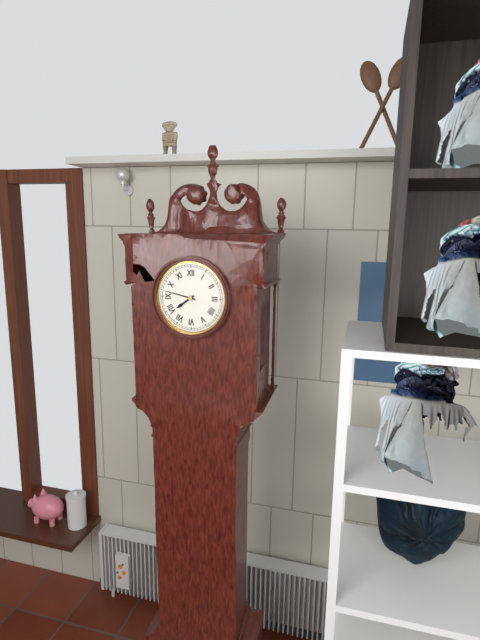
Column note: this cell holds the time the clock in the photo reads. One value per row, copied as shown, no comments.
7:47
